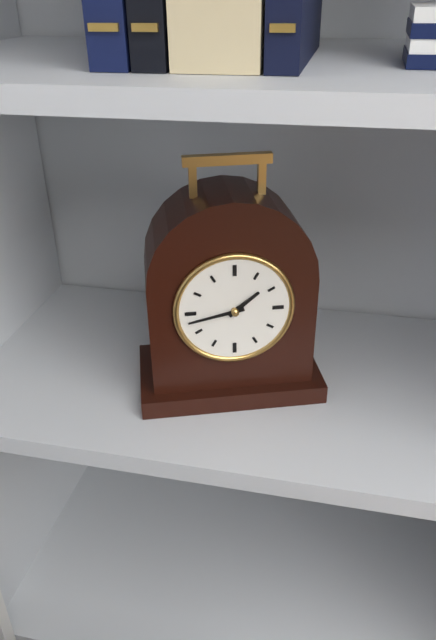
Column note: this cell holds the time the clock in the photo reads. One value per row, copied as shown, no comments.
1:43
